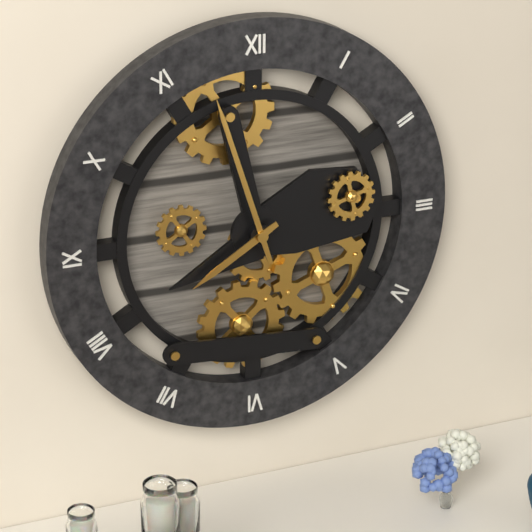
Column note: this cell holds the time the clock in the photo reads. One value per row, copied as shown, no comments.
7:57
